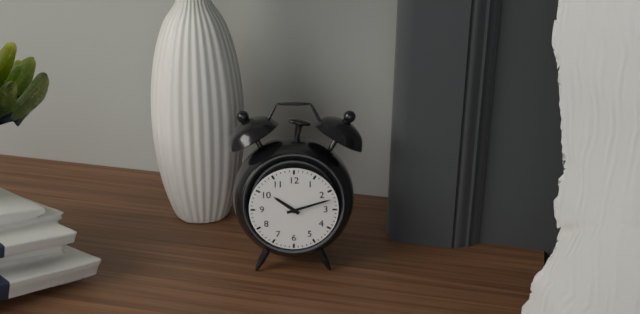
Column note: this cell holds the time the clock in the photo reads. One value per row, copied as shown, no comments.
10:12
